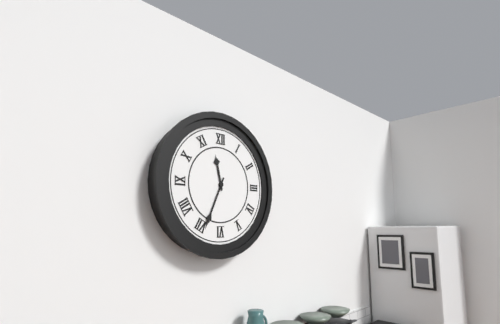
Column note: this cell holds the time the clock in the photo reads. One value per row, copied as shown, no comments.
11:34
